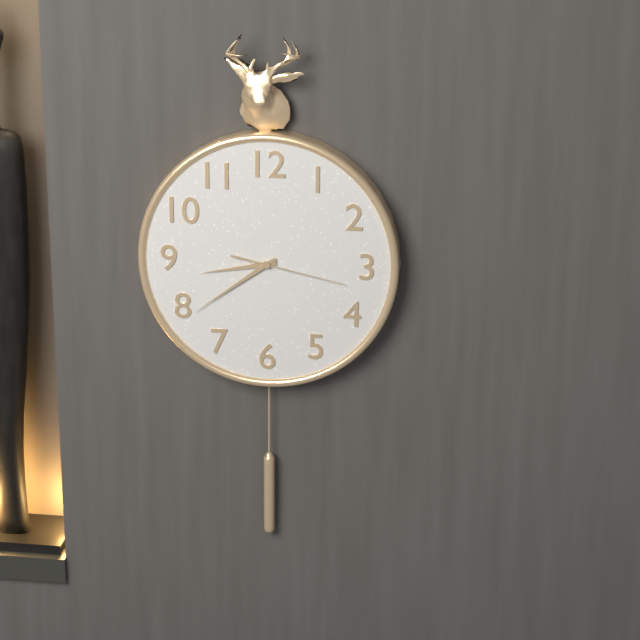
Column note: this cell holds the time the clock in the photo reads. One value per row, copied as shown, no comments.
8:39:17
